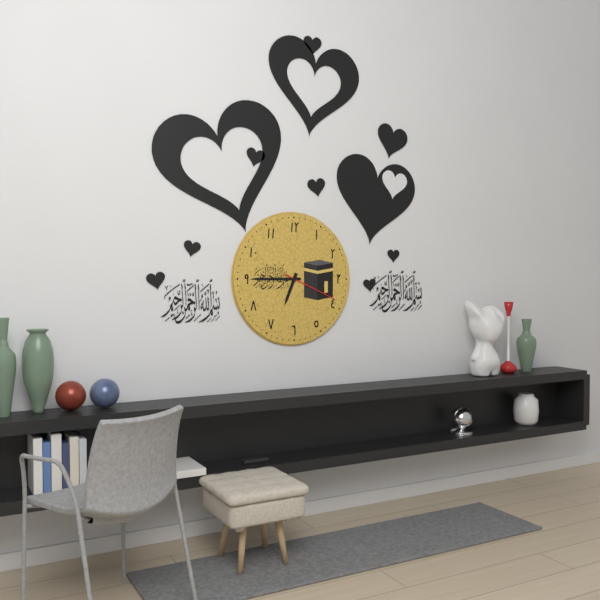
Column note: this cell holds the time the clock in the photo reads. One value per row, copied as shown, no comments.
6:45:19
